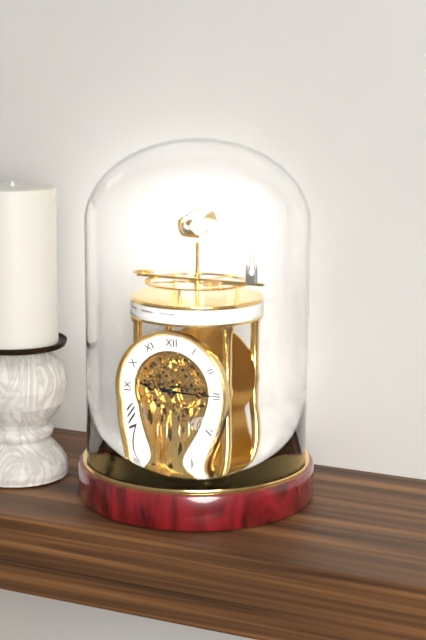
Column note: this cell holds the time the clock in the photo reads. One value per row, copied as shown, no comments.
9:15
